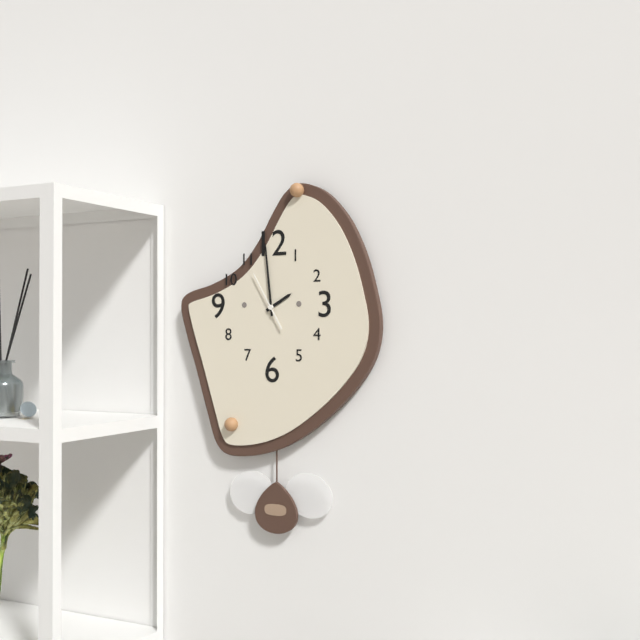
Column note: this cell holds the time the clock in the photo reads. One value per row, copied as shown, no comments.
1:59
